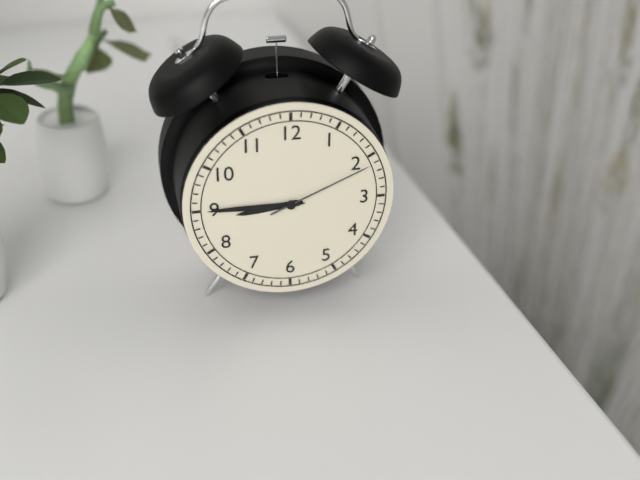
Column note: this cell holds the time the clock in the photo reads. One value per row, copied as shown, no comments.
8:45:11
